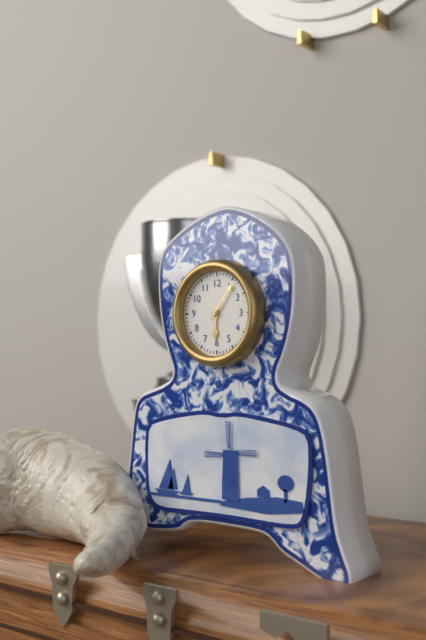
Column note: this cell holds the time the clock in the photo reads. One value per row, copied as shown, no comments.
6:06
